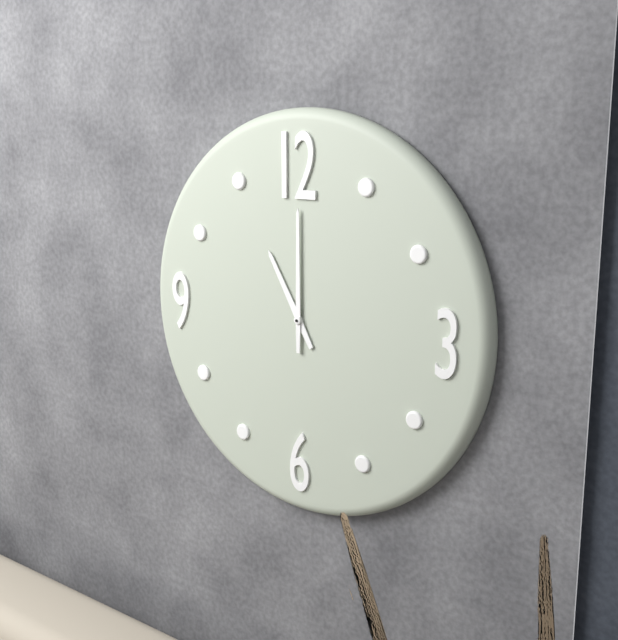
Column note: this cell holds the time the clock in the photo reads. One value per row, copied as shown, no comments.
11:00
